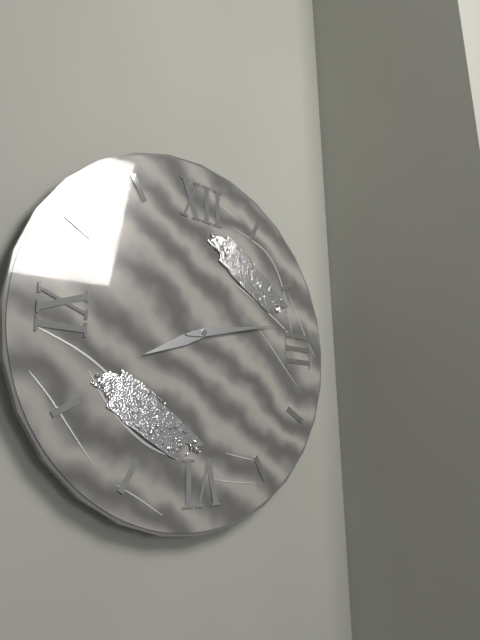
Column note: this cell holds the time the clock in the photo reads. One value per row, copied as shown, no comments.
8:13
